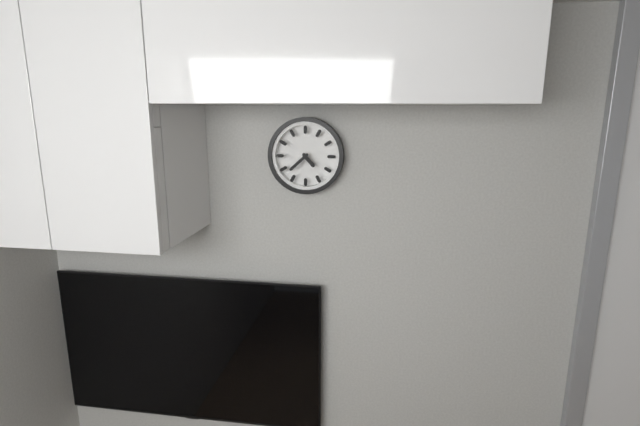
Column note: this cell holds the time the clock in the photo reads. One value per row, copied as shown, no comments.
4:38
